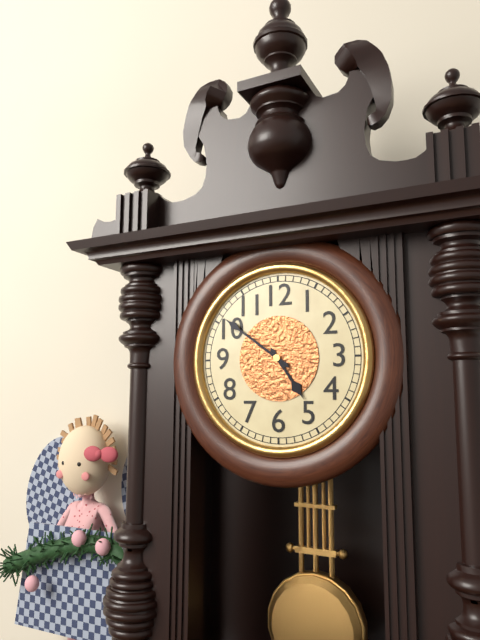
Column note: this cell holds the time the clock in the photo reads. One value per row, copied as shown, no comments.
4:51
